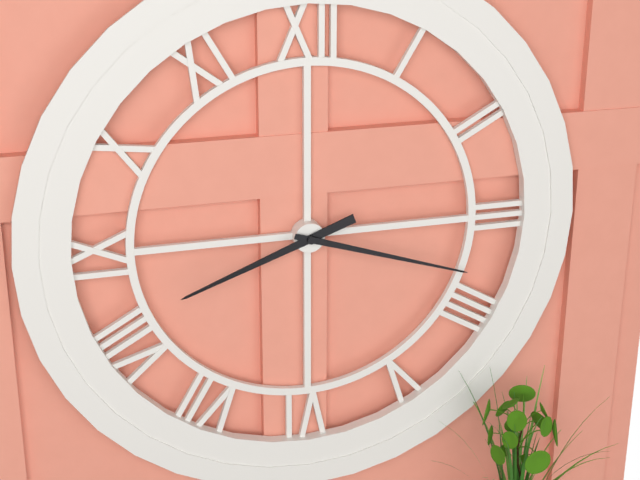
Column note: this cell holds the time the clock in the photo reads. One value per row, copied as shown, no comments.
8:18
